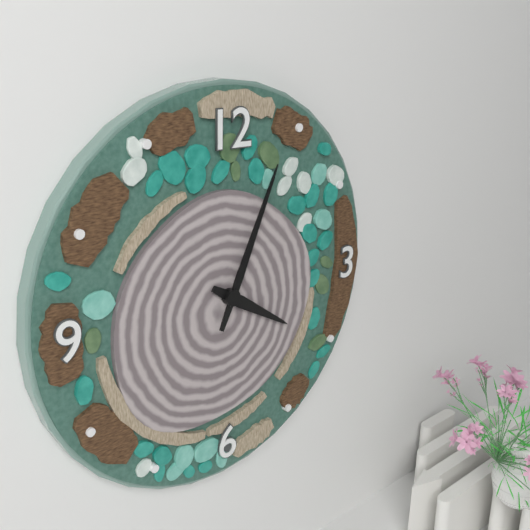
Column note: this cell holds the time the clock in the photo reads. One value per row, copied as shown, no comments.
4:04
